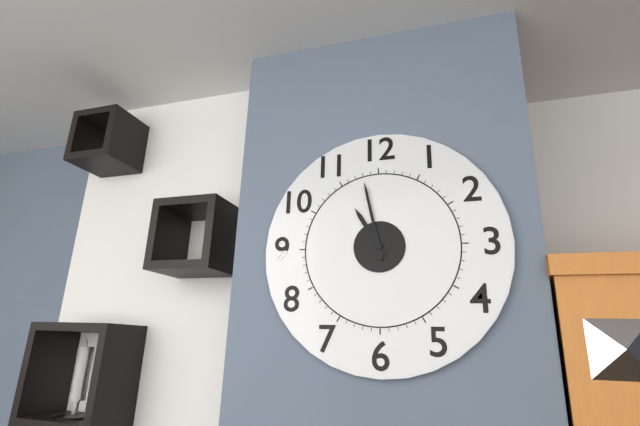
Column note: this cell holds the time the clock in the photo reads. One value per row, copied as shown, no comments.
10:58
